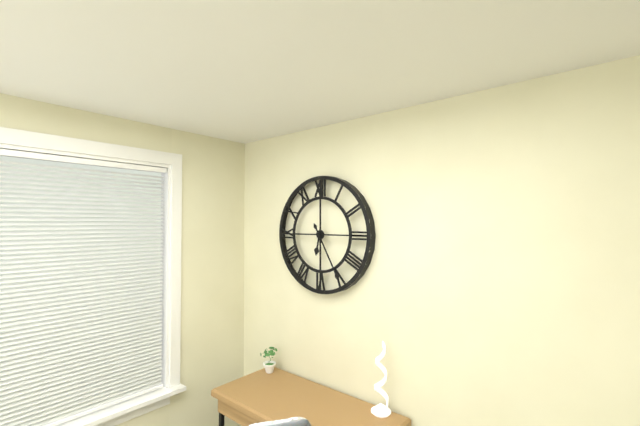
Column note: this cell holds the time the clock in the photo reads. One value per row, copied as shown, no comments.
6:25
